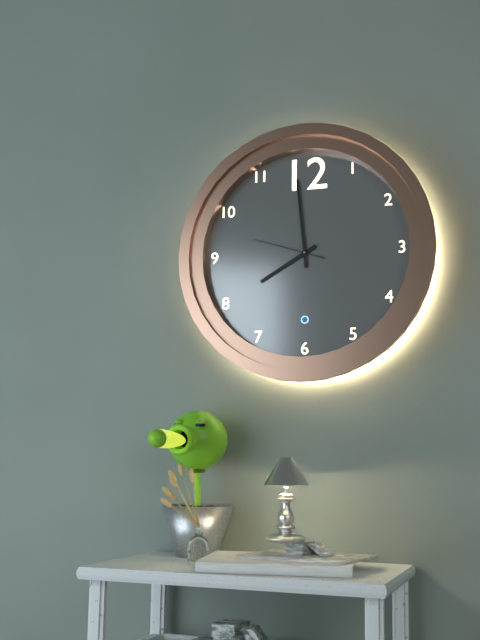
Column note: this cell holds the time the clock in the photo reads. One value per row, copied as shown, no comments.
7:59:48
